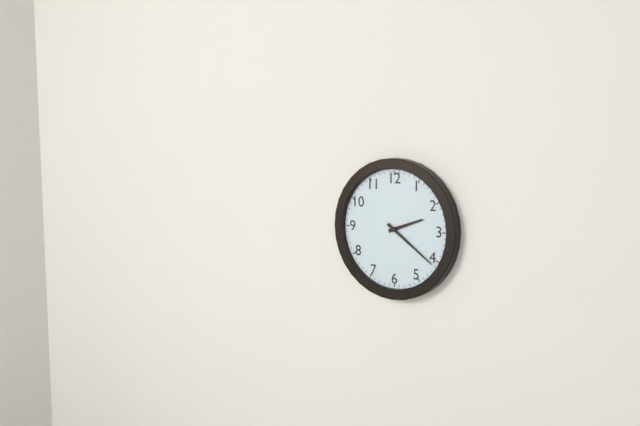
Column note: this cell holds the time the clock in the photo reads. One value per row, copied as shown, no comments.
2:21
